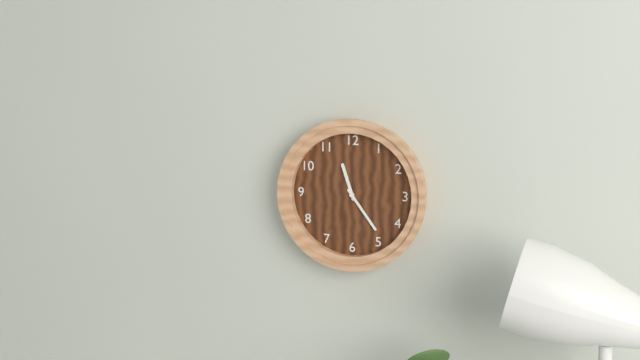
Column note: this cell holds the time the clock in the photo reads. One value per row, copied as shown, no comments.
11:24
